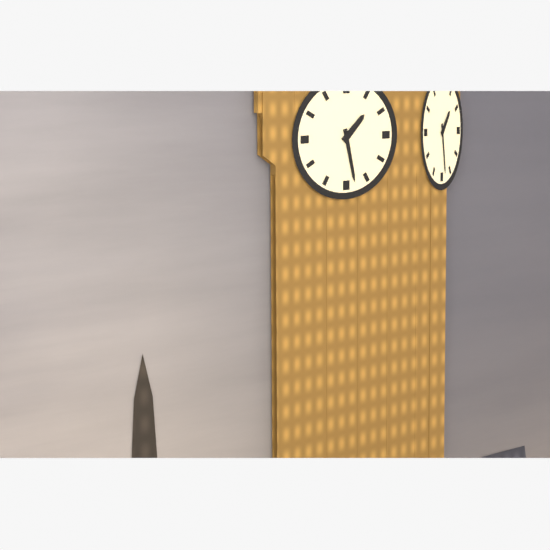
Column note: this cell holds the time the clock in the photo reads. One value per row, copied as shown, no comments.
1:28
